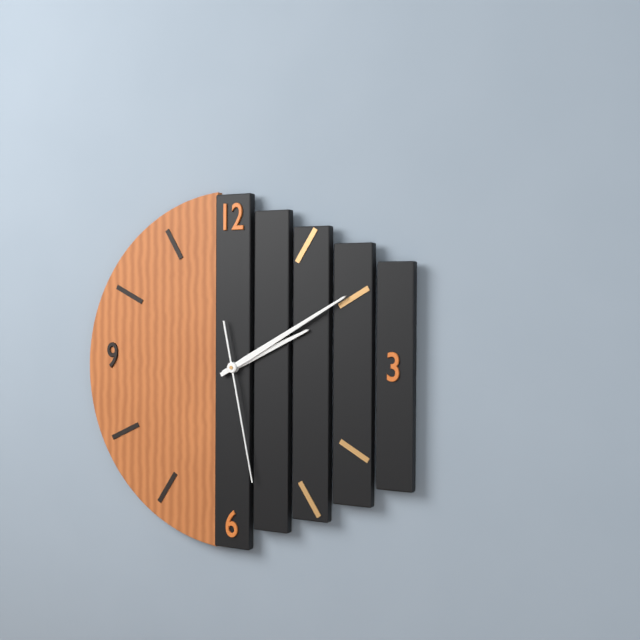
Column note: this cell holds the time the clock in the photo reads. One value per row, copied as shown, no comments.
2:10:28
